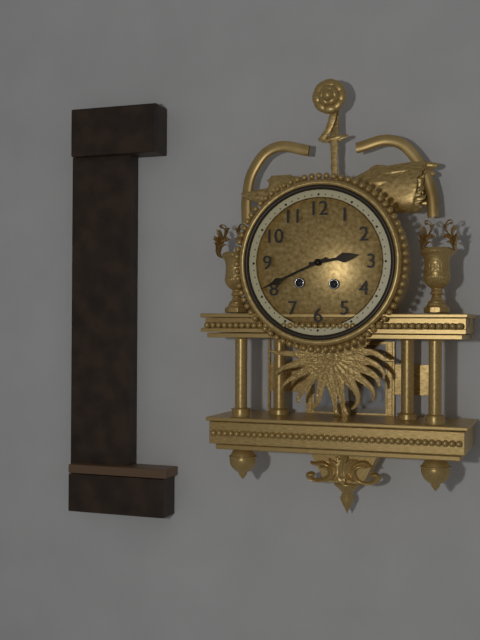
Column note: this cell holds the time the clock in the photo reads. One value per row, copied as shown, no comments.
2:41
